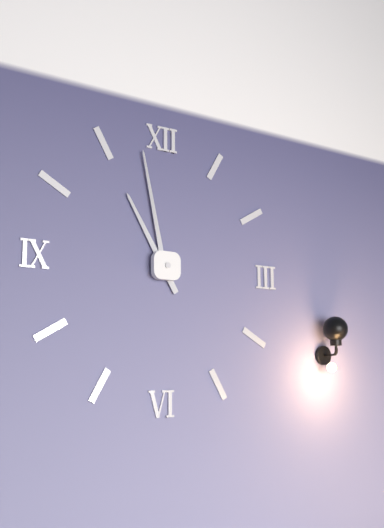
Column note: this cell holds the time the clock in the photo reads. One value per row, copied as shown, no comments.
10:58
